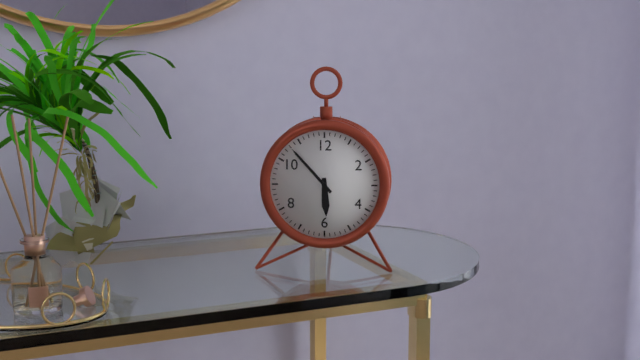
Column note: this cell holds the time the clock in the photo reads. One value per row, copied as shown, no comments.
5:53
